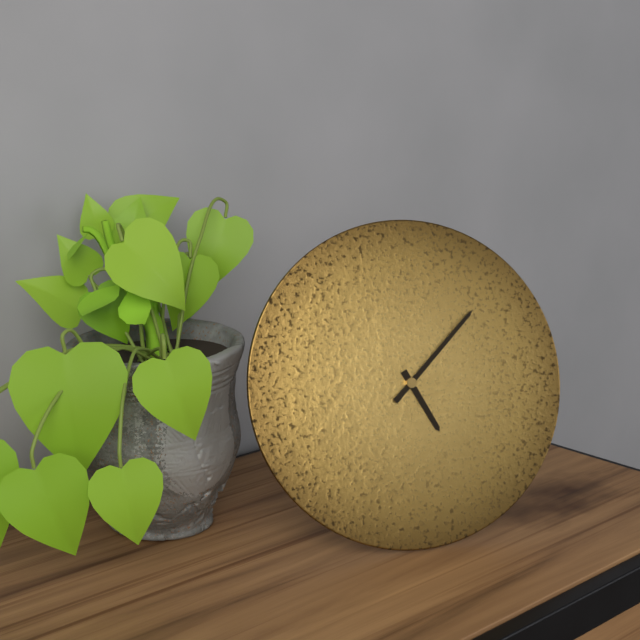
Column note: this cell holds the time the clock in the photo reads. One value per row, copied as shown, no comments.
5:08
